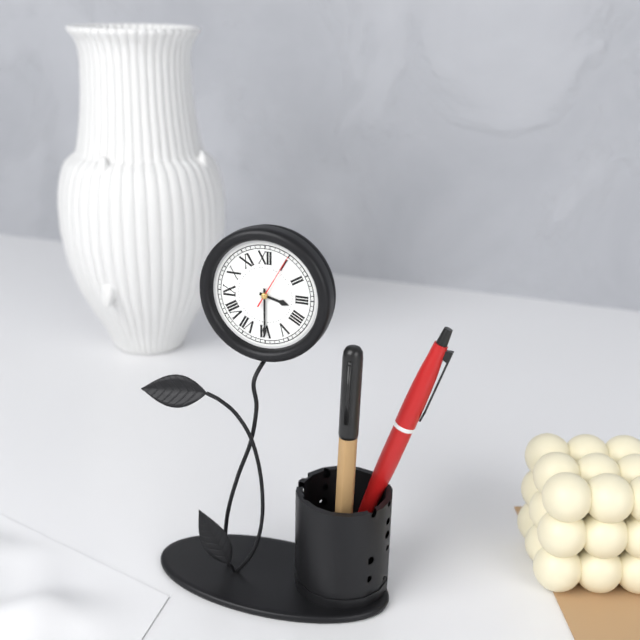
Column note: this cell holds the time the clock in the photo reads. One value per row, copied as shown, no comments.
3:30:05
